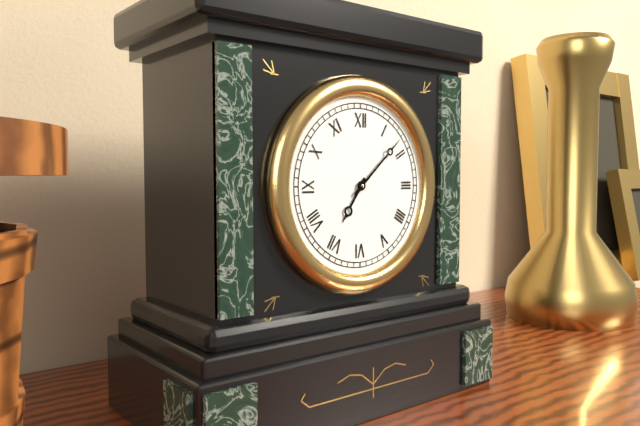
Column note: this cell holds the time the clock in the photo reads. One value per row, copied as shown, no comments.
7:08
